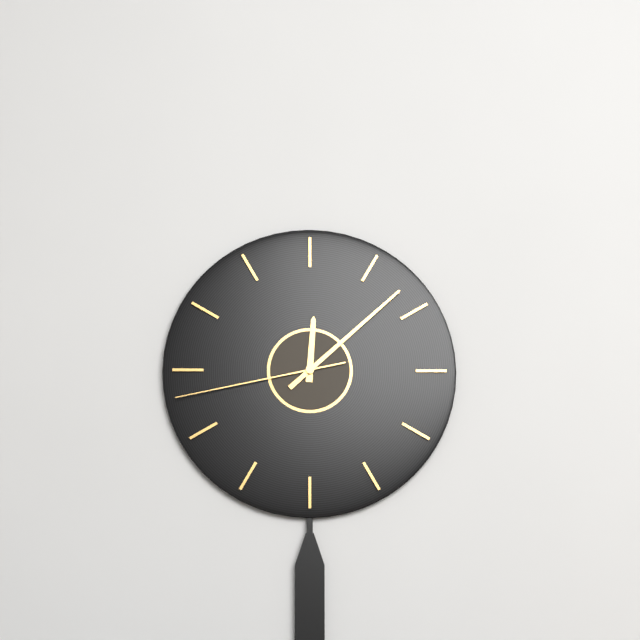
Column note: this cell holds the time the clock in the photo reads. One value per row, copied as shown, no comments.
12:08:43
